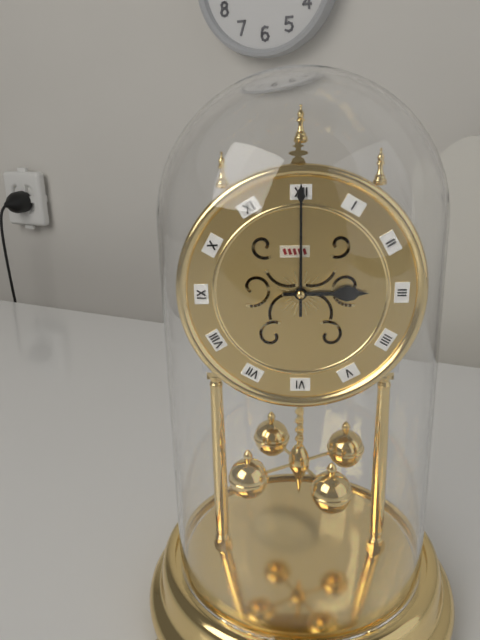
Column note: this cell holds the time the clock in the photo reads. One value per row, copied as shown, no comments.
3:00
